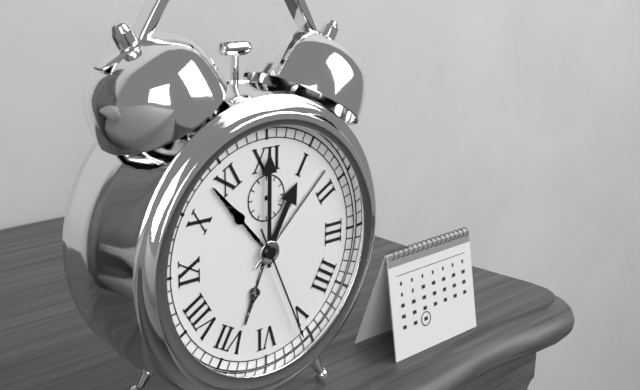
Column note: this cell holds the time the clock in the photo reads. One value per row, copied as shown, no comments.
1:00:26
